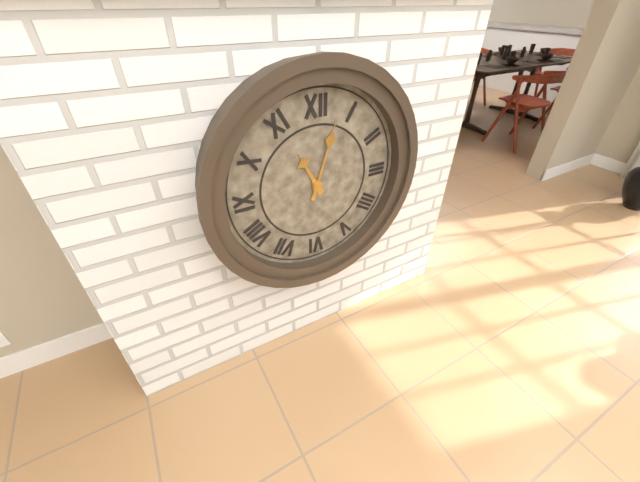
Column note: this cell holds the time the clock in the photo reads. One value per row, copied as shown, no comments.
11:03
